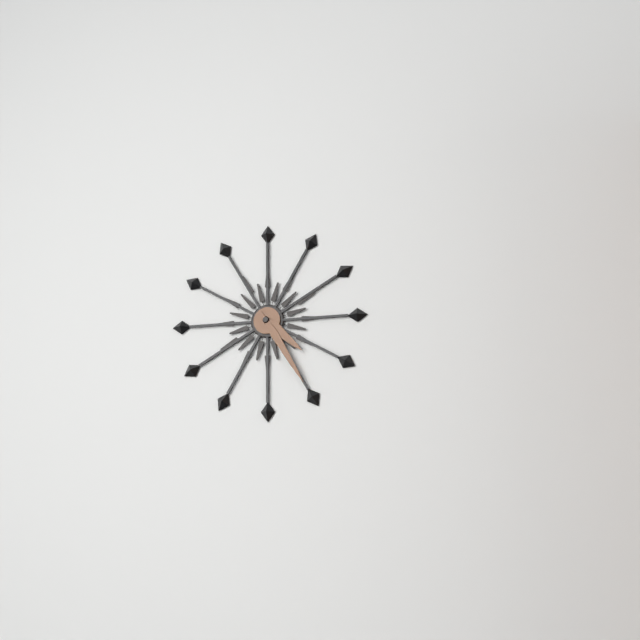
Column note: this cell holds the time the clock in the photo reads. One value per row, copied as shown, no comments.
4:25
